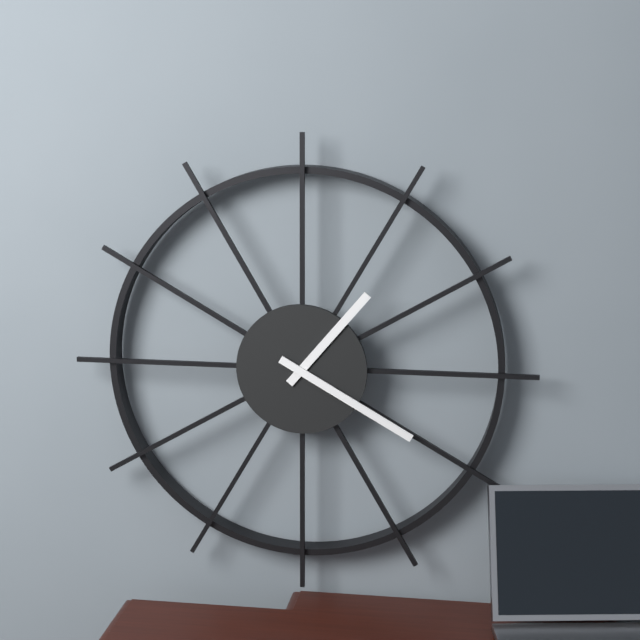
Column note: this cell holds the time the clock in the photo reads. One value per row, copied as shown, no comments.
1:20
